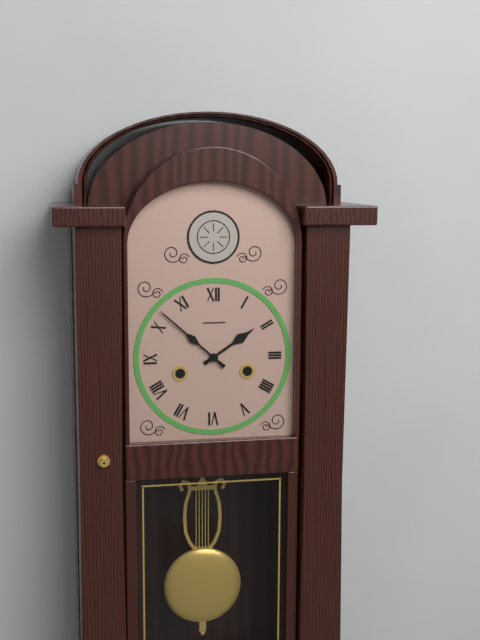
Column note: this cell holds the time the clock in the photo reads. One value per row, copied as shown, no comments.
1:52
